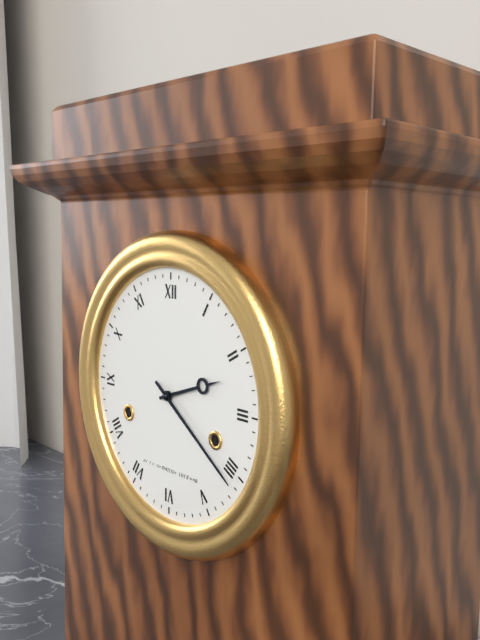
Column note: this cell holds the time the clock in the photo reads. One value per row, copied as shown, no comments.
2:21
